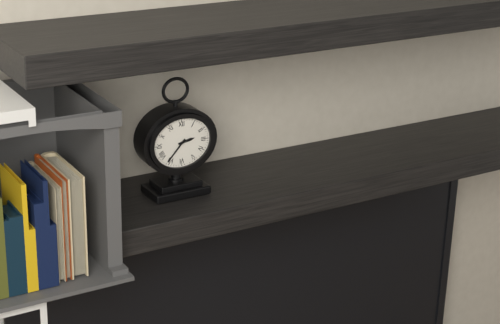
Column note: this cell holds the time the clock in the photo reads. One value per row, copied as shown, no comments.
2:37
